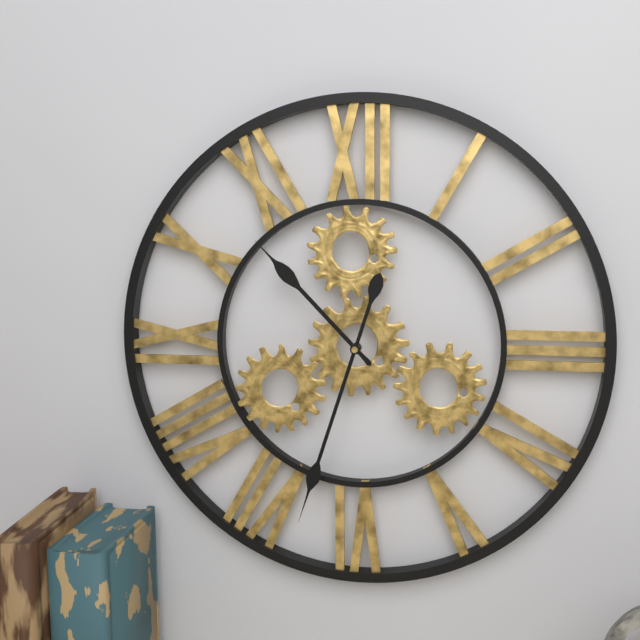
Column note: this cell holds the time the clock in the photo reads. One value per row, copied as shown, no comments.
10:33
